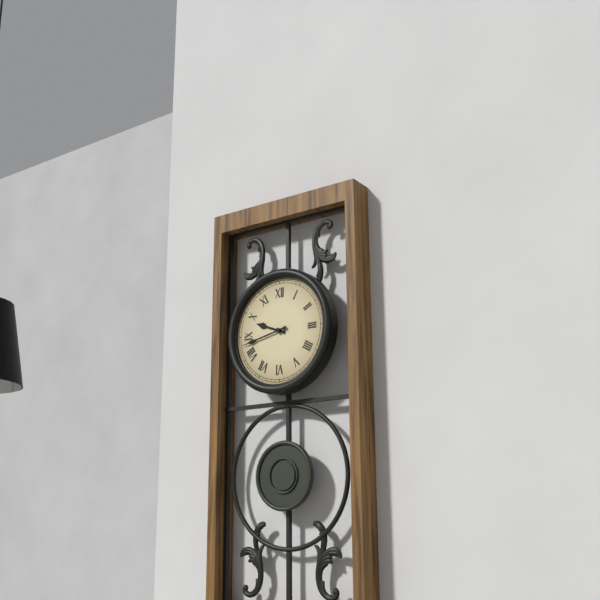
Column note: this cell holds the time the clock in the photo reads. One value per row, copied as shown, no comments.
9:43
